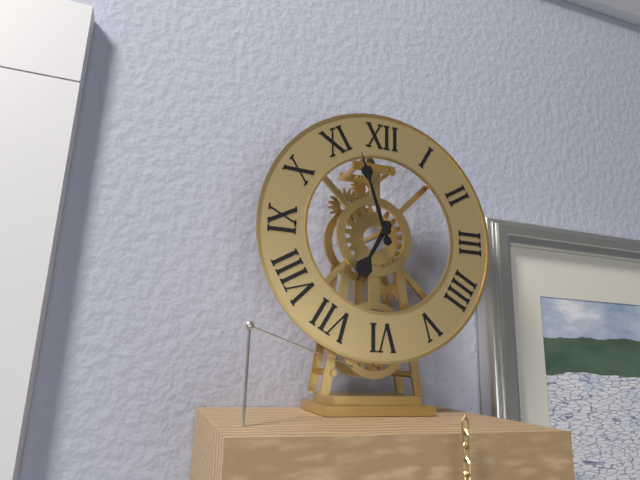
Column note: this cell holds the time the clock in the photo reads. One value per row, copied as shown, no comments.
6:57
